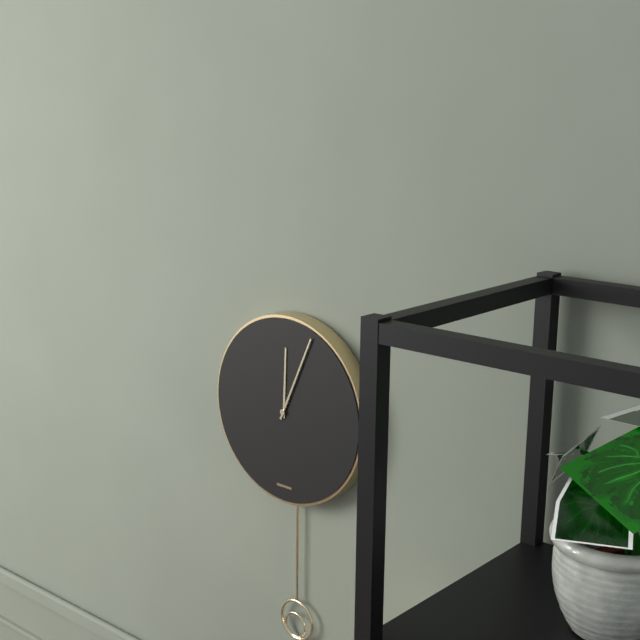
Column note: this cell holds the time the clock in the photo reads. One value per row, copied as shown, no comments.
12:04
